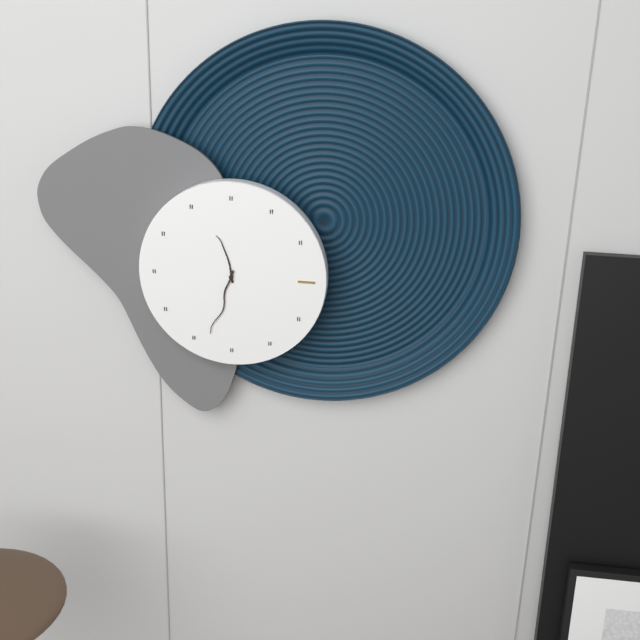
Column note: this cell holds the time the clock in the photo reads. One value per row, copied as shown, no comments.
11:33
